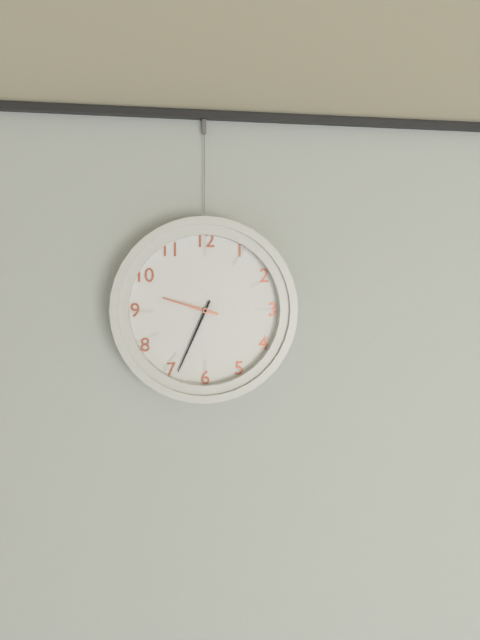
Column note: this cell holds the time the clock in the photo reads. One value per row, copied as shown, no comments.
9:34
